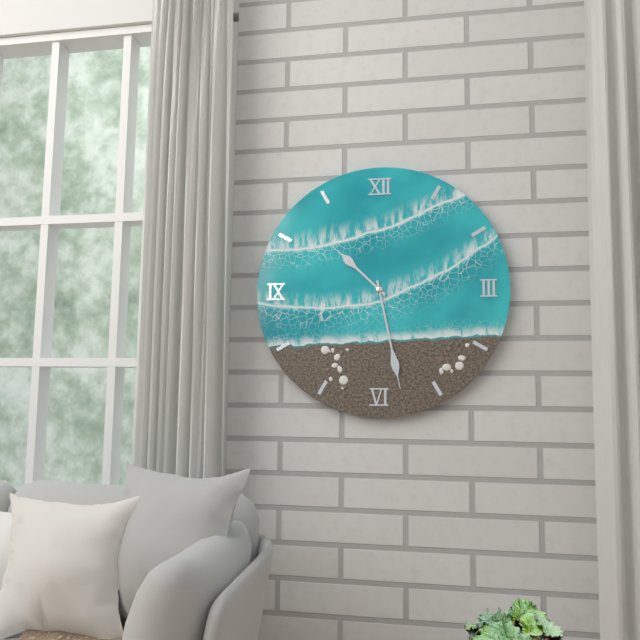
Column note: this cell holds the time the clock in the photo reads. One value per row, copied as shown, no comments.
10:28
